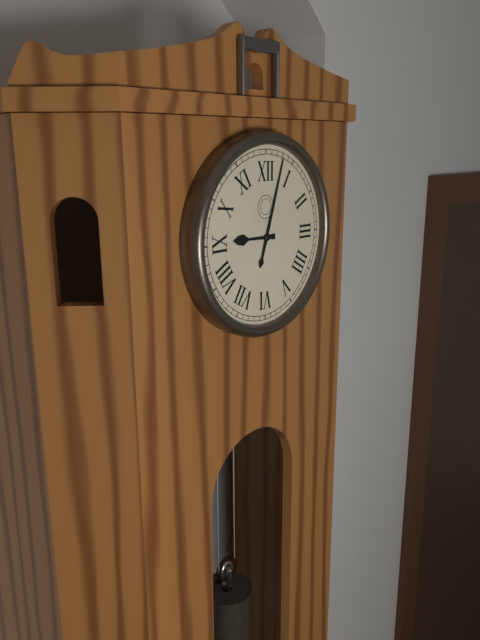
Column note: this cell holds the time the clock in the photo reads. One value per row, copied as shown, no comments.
9:03
